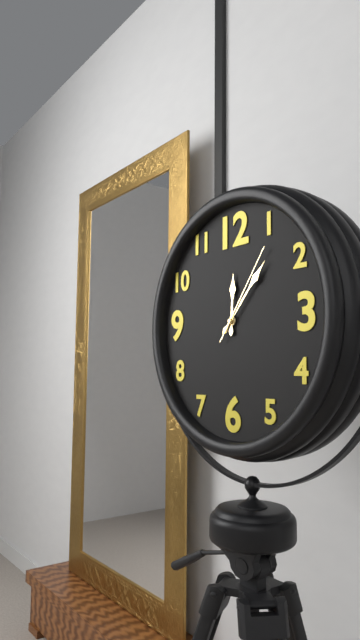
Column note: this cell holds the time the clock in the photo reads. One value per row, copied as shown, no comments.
12:07:06
